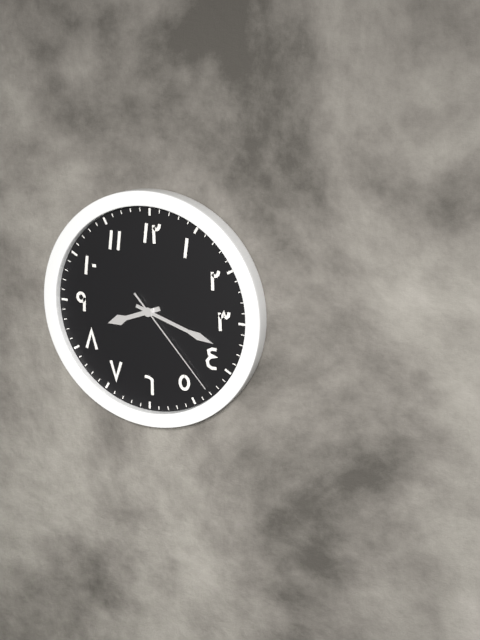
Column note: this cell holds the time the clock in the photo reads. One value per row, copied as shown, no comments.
8:18:23
